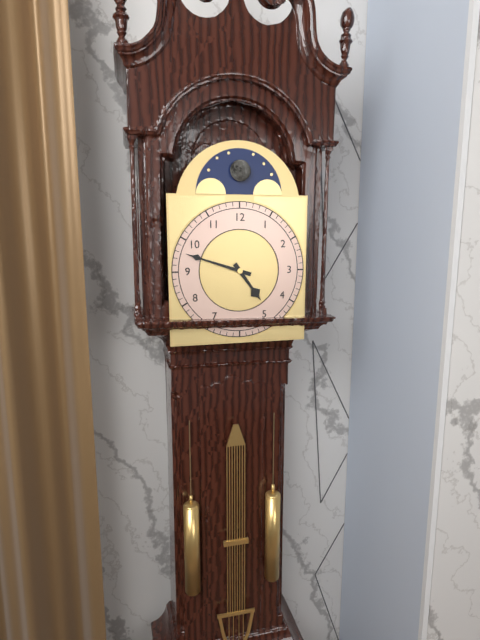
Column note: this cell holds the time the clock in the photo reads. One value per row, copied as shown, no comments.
4:48
